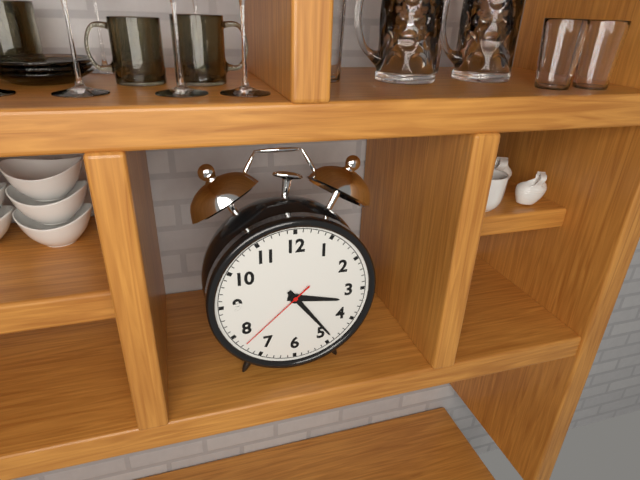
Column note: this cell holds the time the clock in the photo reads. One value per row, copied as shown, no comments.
3:24:38
